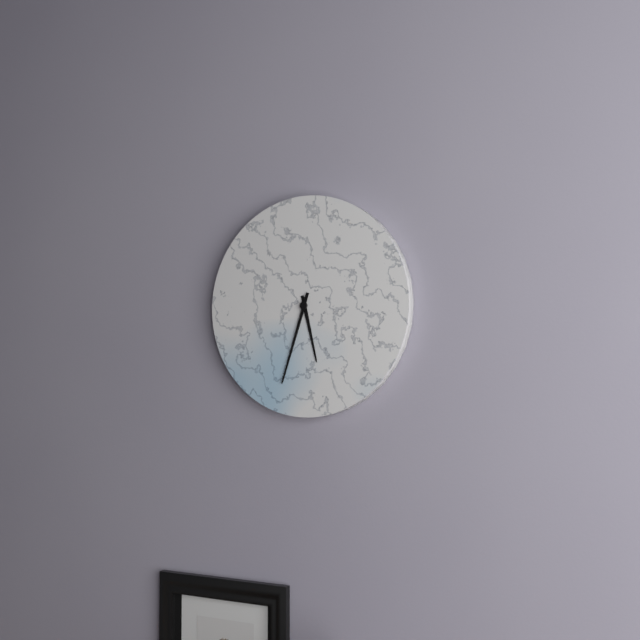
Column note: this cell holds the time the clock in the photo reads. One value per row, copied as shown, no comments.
5:33
